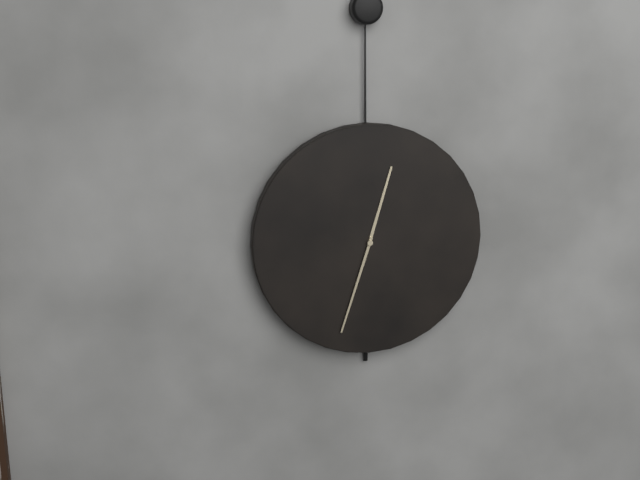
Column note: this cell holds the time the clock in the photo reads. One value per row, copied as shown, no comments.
12:33
